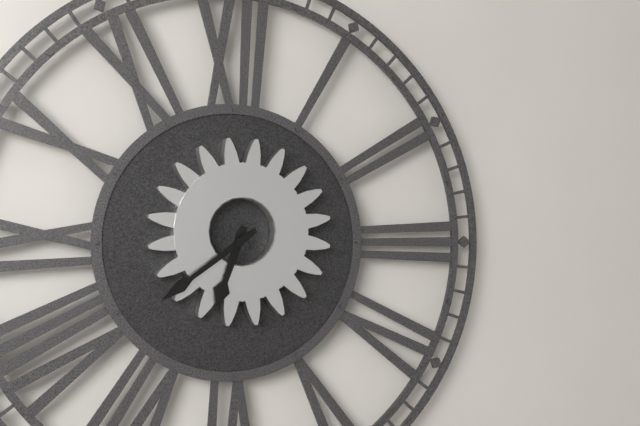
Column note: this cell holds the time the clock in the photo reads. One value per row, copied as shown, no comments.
6:39
